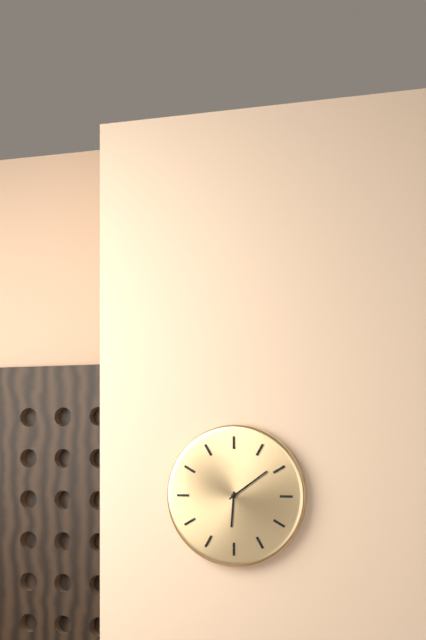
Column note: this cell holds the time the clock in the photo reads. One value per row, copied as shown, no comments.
6:09
